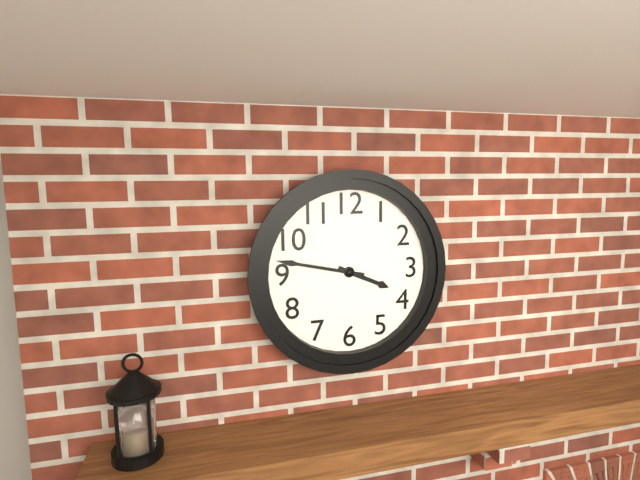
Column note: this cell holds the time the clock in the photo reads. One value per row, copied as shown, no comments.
3:47
